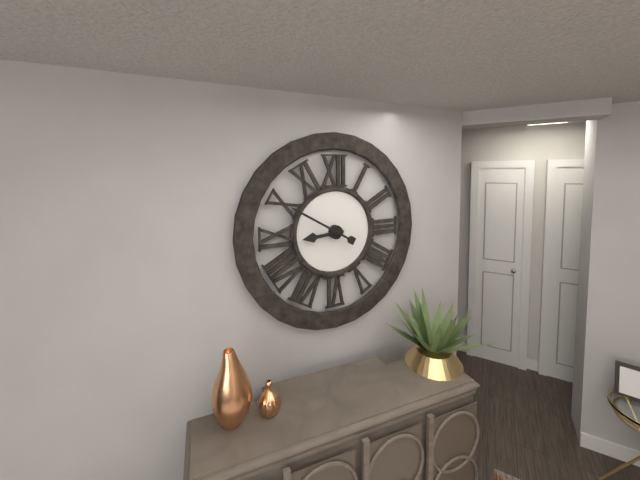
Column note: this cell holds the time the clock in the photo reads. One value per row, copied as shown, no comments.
8:50
